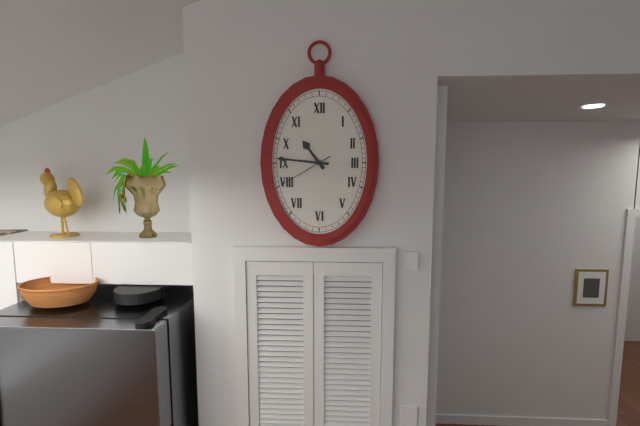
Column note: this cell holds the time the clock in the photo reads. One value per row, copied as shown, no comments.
10:46:40
